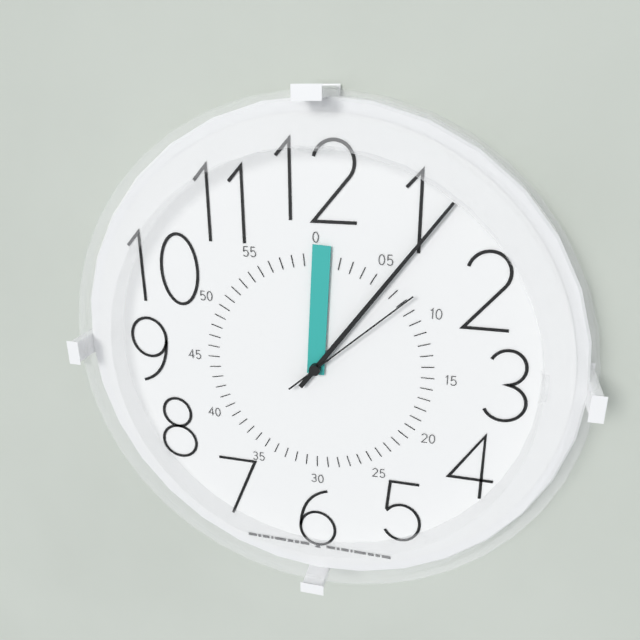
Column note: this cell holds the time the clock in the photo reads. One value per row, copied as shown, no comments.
12:06:08
